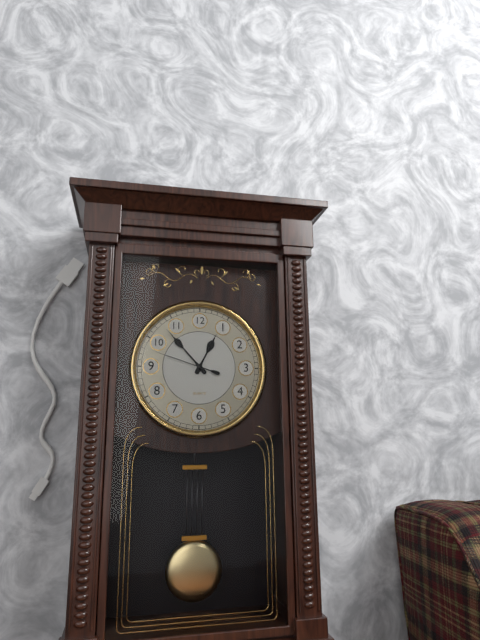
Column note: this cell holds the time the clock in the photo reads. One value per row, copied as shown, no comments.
12:53:48
